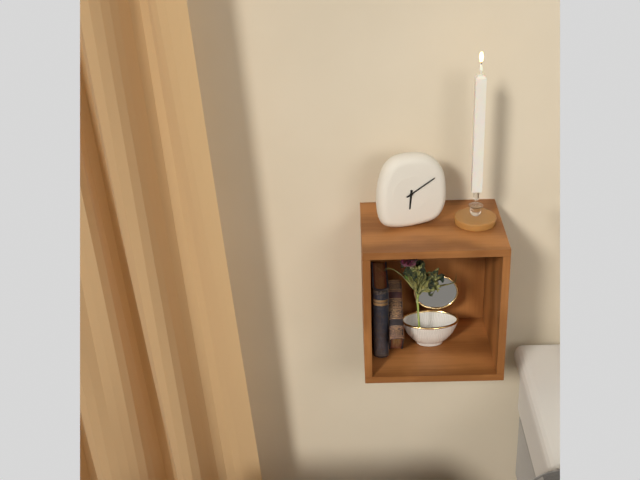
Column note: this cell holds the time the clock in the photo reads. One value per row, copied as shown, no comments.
6:10
